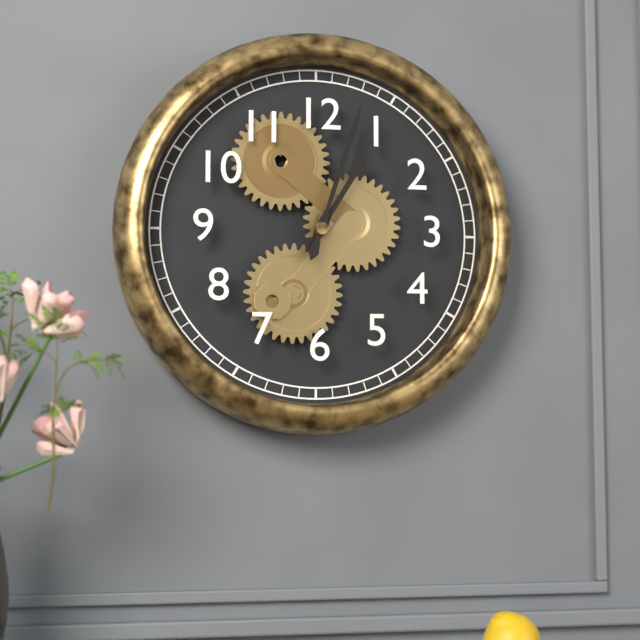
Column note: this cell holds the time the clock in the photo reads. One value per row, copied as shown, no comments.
1:03
